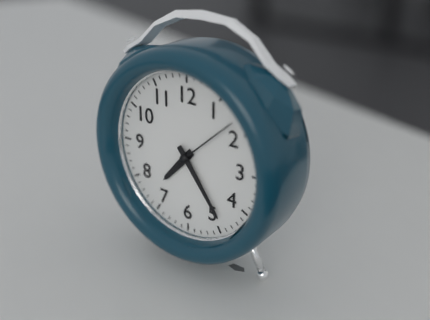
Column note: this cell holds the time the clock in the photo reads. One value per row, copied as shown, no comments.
7:24:08
